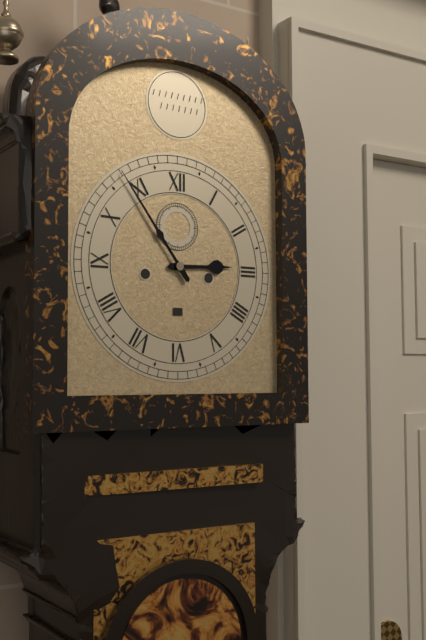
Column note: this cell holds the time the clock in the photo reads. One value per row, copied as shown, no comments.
2:54
